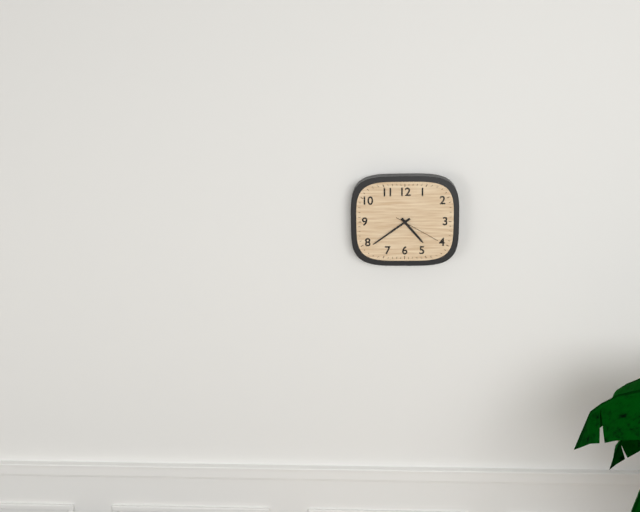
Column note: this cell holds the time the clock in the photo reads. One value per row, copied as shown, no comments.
4:39:20
